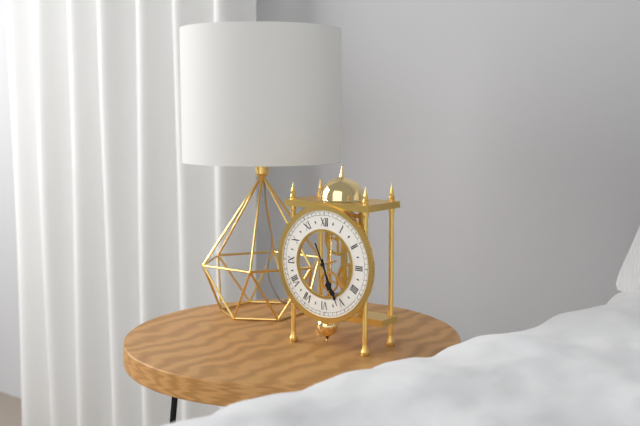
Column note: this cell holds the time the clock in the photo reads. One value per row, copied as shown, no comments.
5:26
